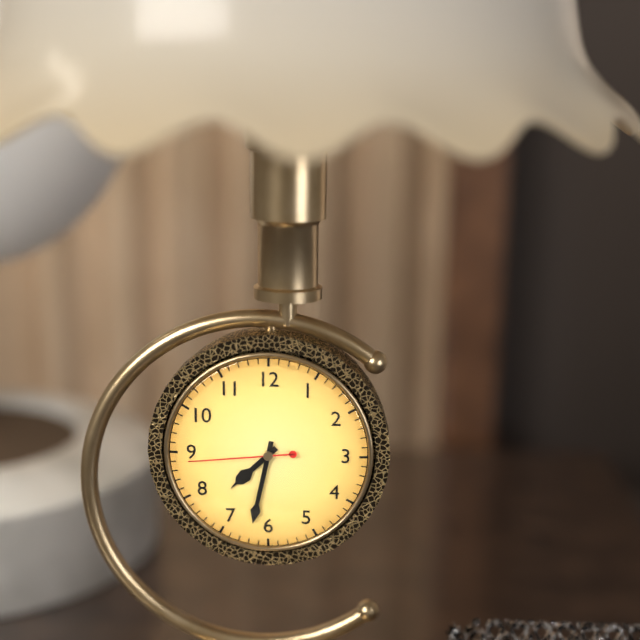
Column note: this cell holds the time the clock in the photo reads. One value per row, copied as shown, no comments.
7:32:44
